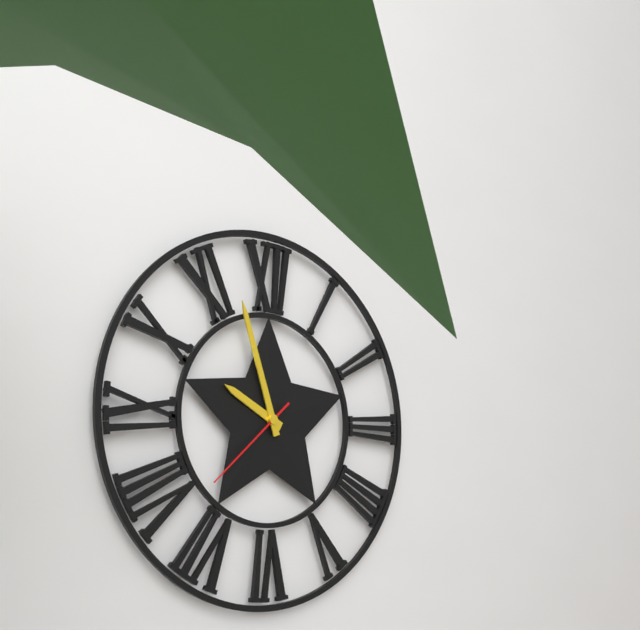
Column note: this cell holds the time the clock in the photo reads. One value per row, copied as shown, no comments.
9:57:38
